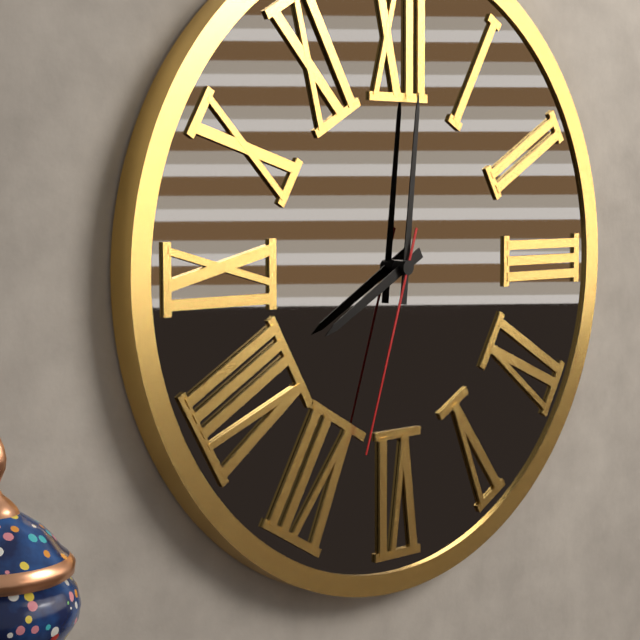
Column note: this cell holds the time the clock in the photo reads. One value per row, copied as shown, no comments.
8:01:33
